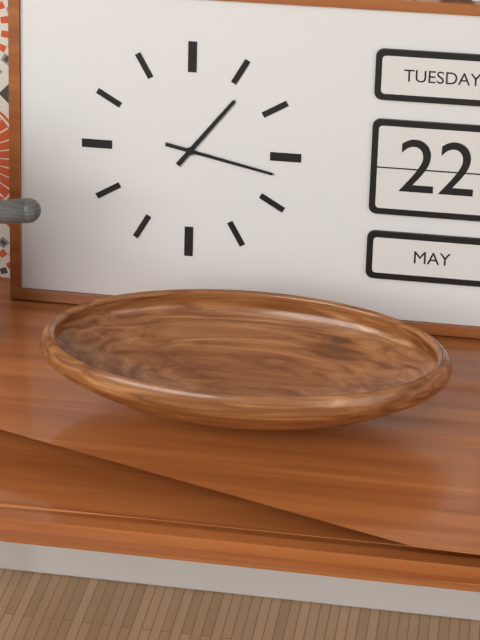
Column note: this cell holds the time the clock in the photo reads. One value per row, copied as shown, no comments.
1:17
